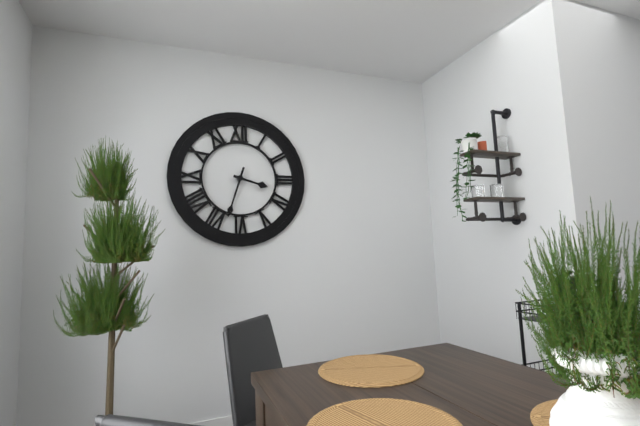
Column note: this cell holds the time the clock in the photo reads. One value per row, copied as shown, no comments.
3:33
